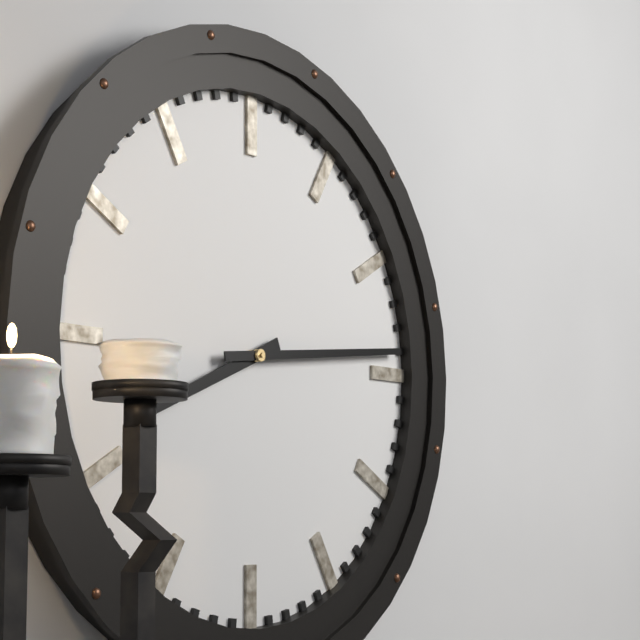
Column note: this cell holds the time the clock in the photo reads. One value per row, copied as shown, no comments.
8:14
